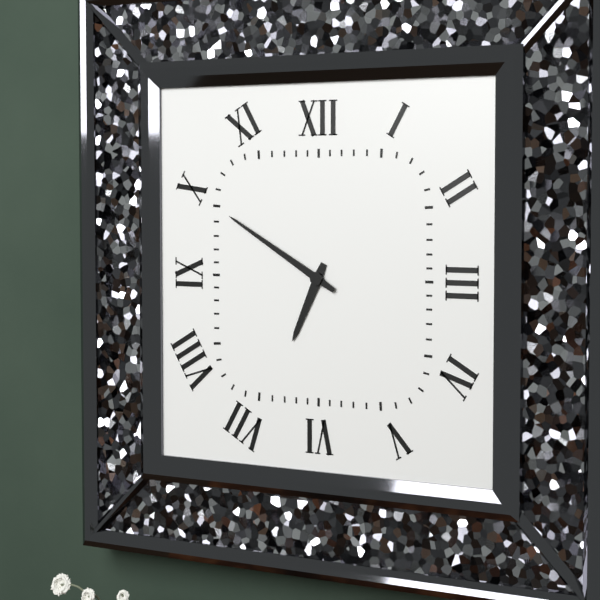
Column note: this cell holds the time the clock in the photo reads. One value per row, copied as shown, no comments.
6:50
